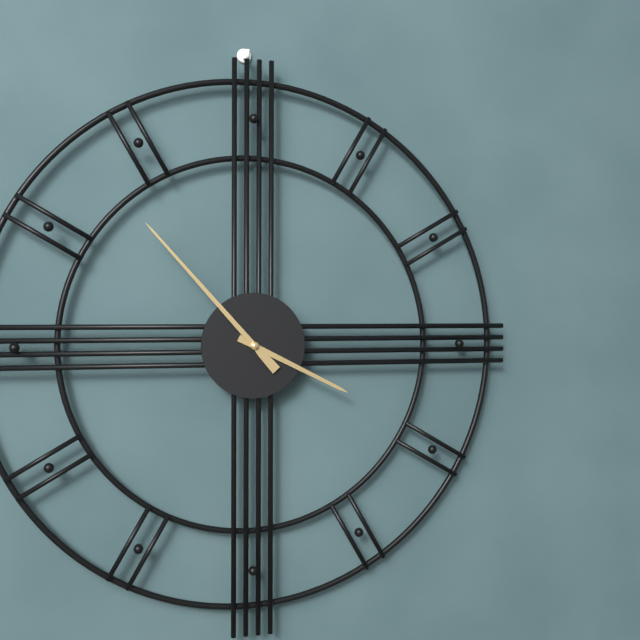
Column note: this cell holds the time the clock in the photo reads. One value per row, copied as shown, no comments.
3:53
